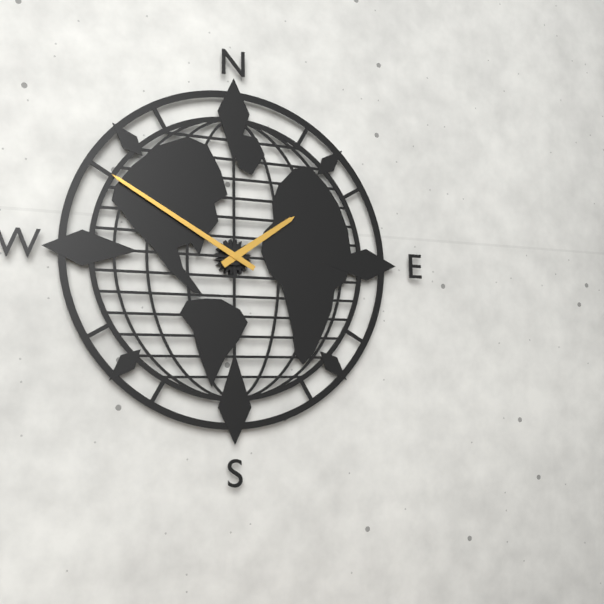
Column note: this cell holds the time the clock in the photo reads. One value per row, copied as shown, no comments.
1:50
